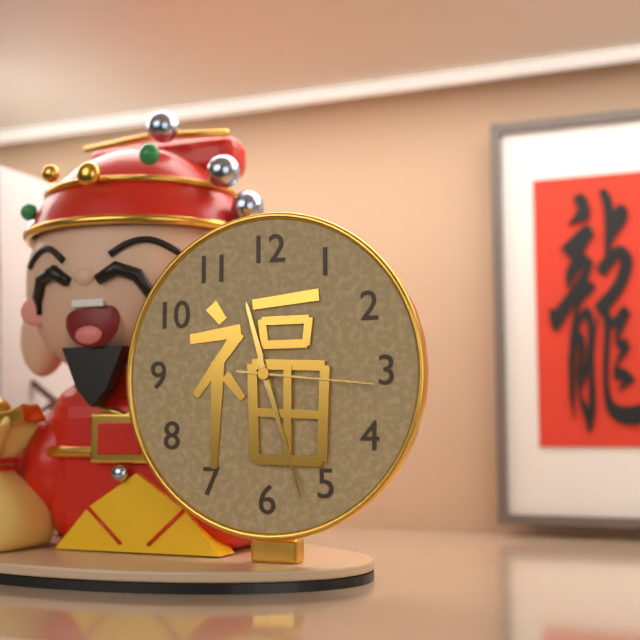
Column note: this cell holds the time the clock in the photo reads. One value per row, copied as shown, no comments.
11:27:16
